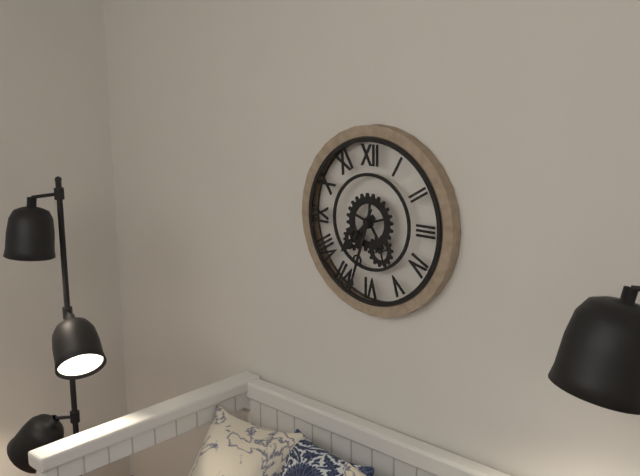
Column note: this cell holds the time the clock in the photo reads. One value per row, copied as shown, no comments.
7:33
